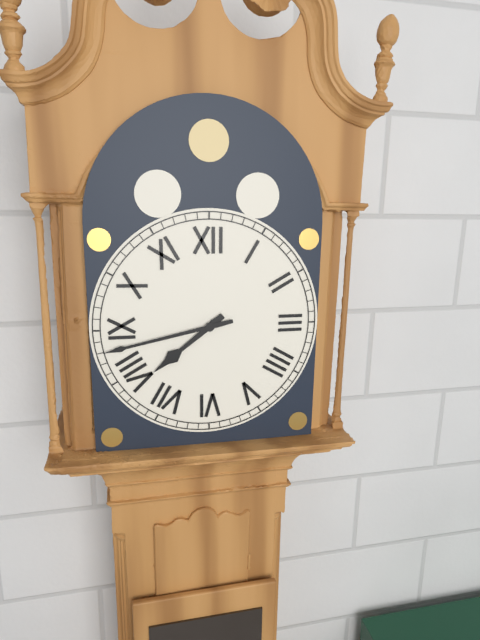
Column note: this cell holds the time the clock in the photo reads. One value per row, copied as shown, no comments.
7:43
